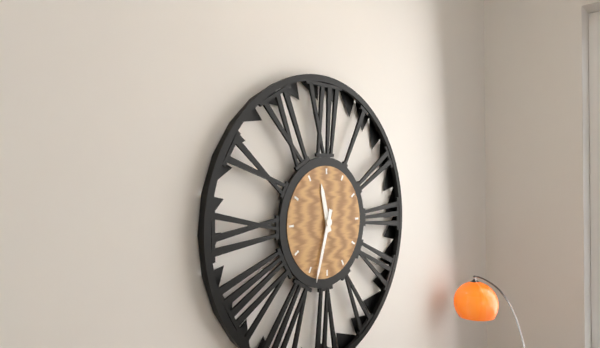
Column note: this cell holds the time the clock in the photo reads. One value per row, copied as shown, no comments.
11:33
